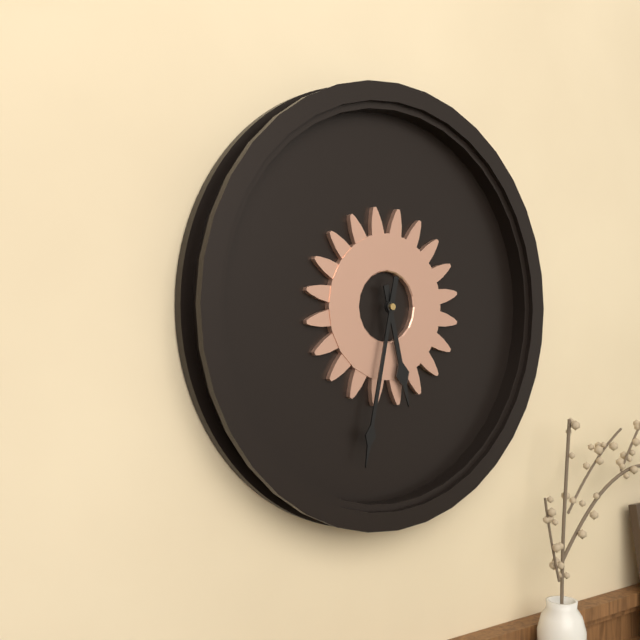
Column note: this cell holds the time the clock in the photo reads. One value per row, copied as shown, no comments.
5:32
